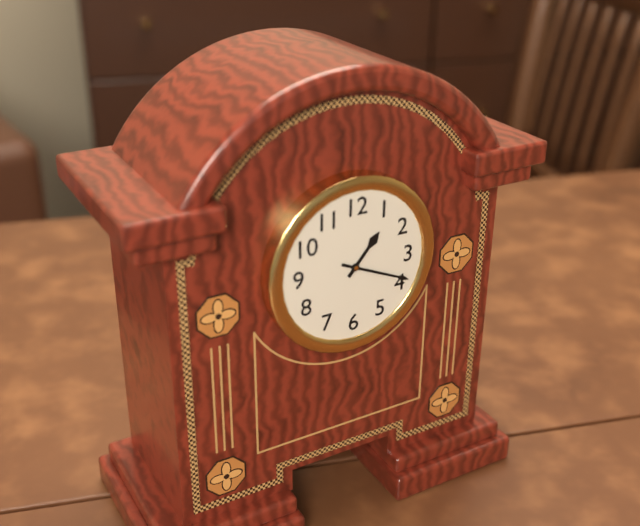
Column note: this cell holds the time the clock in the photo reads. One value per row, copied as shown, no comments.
1:19
